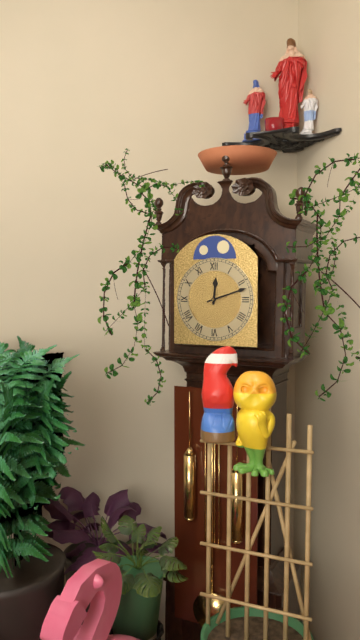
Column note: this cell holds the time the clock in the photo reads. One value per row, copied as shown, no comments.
12:12
